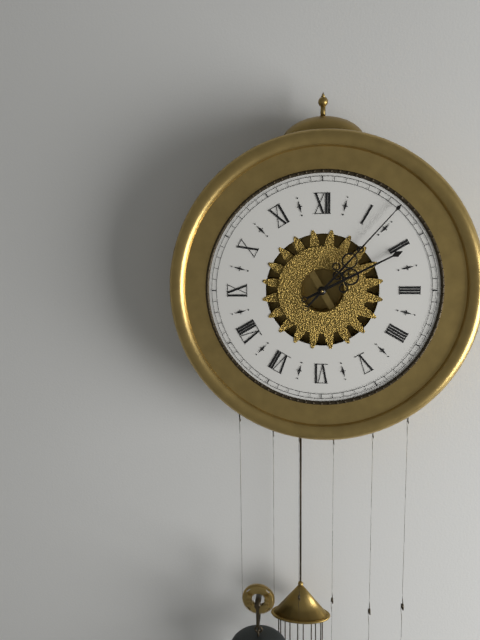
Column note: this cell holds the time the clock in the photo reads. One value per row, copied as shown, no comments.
2:07
